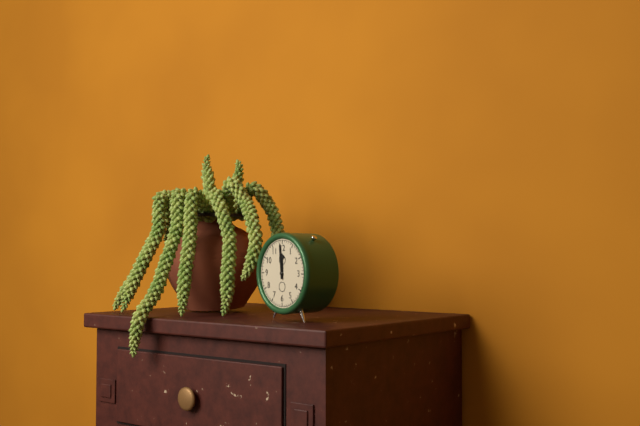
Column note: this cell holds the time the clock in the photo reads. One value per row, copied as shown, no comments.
11:59
